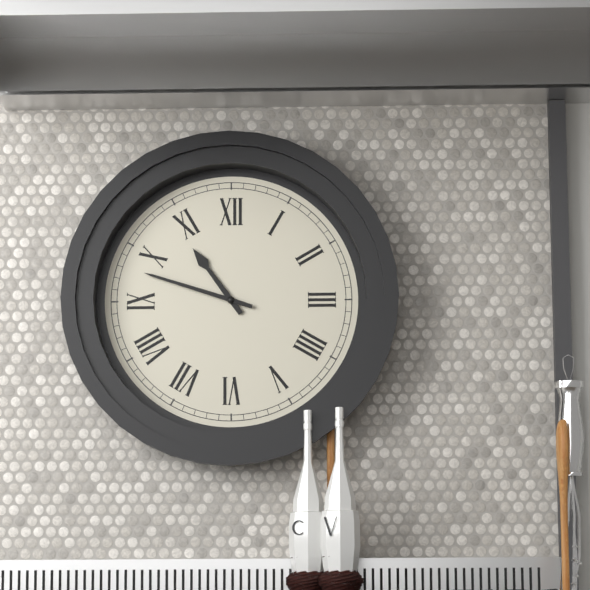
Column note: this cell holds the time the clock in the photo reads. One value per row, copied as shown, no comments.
10:48
